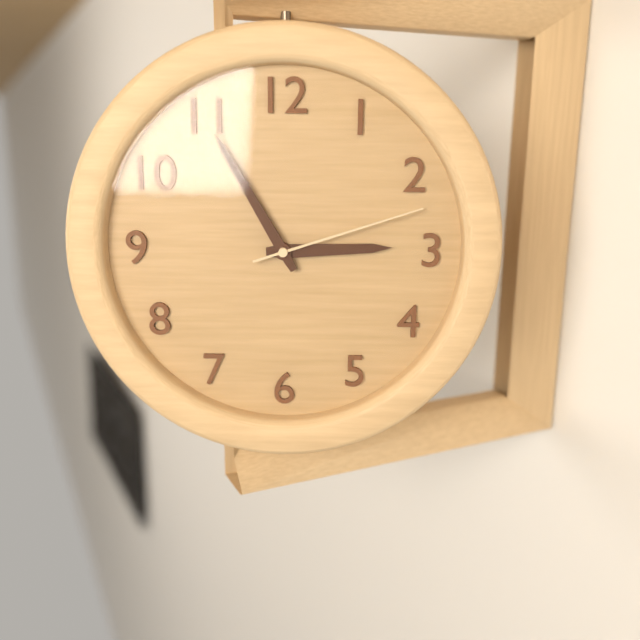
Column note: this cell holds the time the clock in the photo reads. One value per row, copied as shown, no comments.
2:55:12
